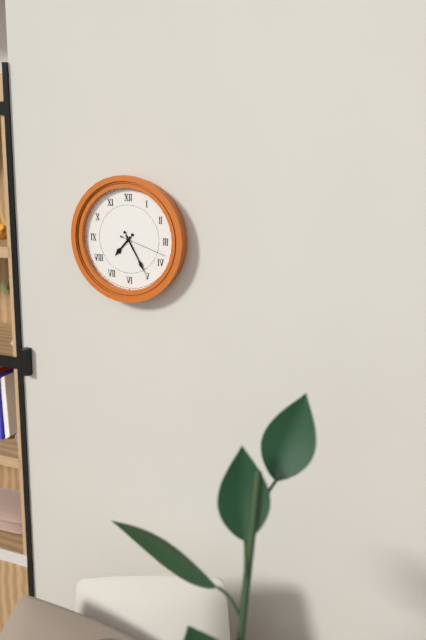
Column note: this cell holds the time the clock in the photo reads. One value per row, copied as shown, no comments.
7:25:18
